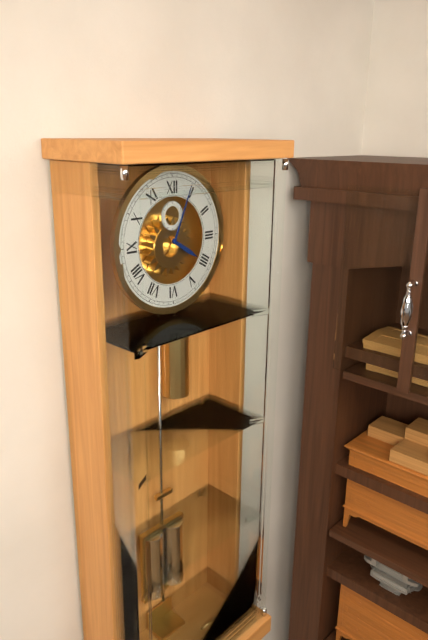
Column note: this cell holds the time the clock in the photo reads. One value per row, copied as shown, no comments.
4:04
